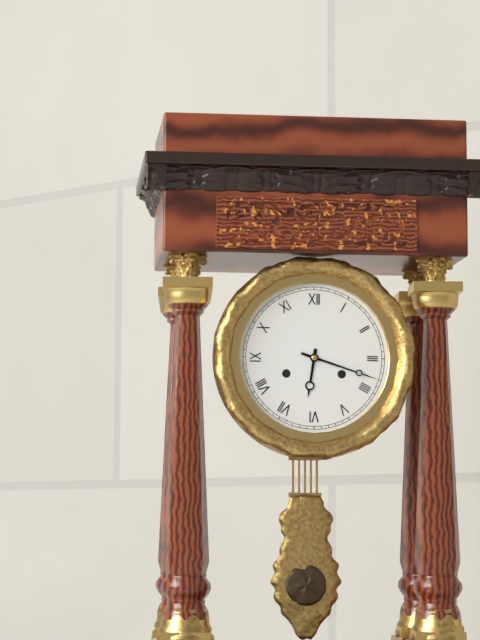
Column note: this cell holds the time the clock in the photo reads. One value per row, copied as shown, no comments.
6:18
